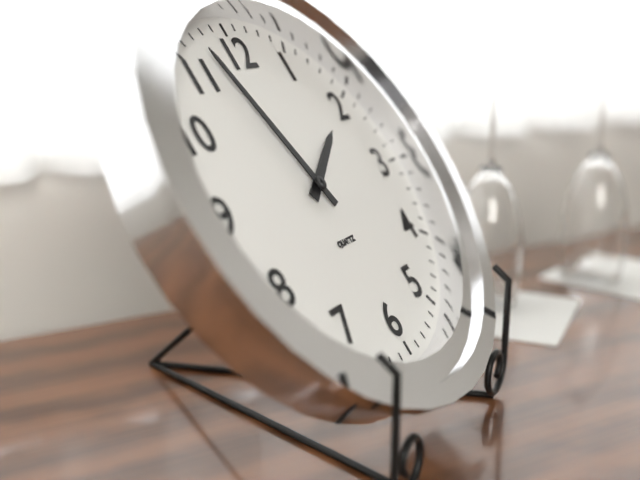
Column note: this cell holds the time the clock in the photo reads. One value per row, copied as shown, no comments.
1:57
